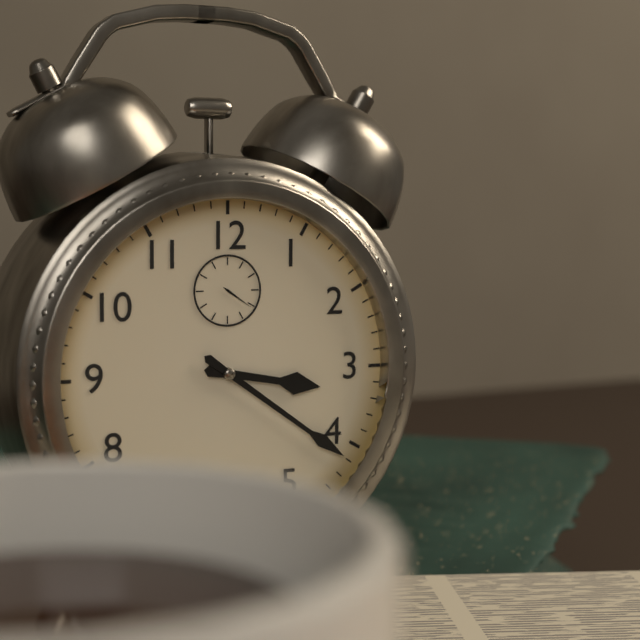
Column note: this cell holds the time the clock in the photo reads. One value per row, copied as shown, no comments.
3:21
